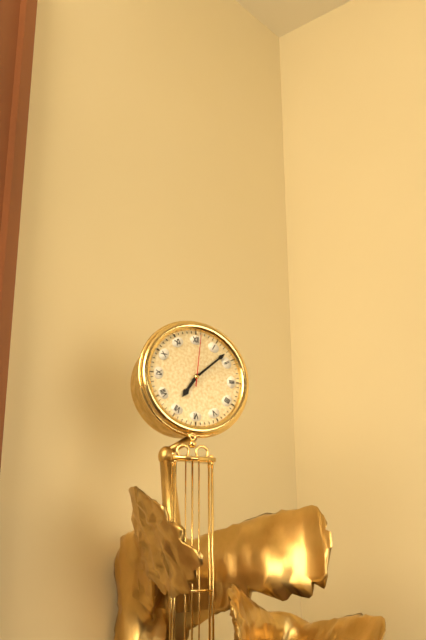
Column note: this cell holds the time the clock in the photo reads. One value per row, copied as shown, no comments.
7:08:01
